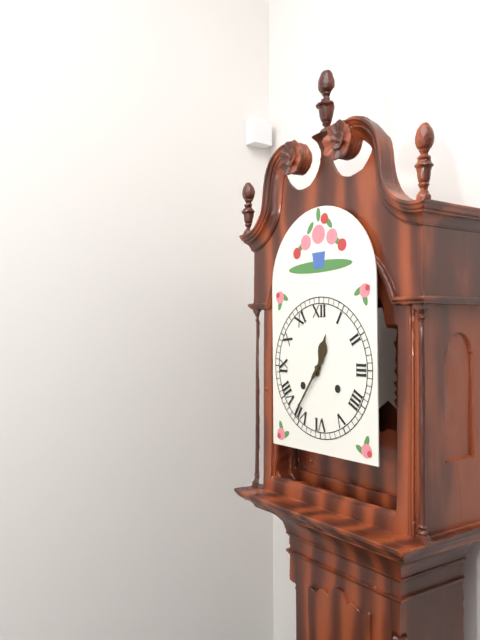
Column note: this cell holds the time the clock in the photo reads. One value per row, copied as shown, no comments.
12:36
